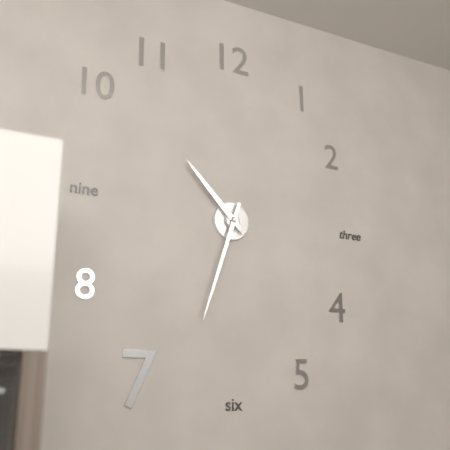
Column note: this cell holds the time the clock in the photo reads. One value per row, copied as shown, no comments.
10:33
